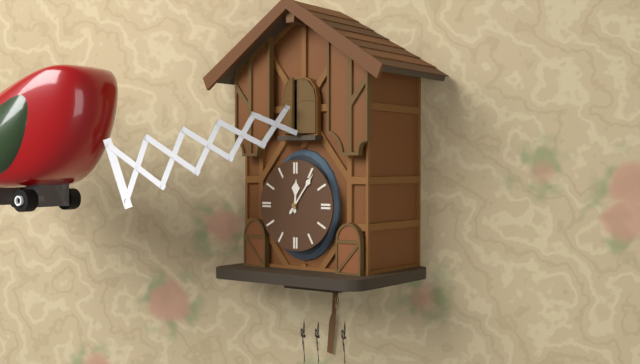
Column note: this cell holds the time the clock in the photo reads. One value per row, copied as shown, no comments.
12:06
